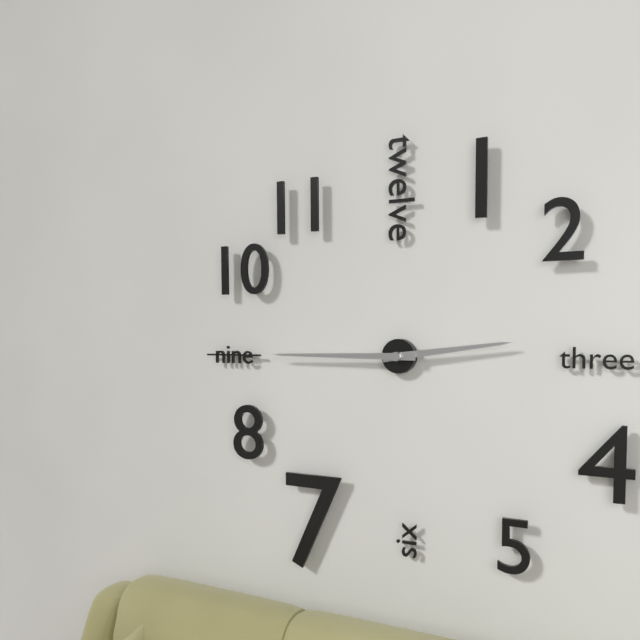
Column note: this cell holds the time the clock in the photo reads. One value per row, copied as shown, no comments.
2:45
